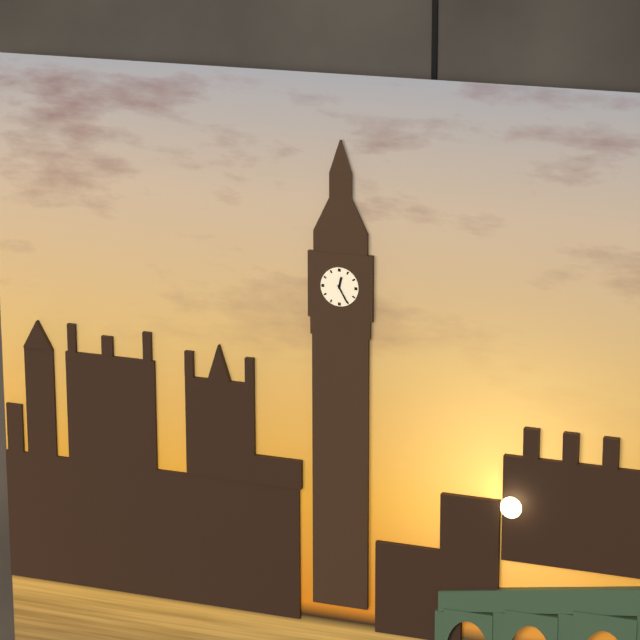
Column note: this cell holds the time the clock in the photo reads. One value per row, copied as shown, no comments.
12:25
